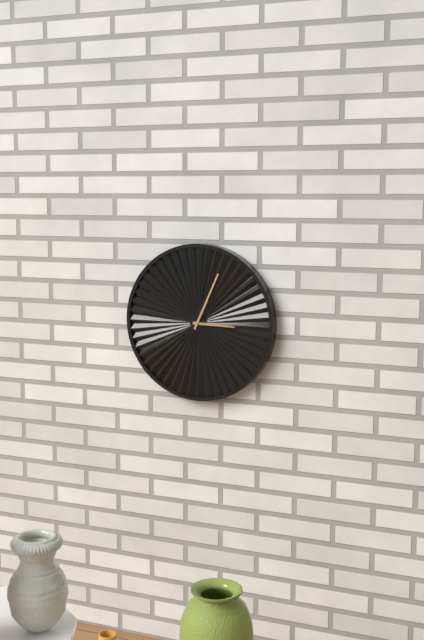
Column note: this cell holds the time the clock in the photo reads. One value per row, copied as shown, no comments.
3:04
